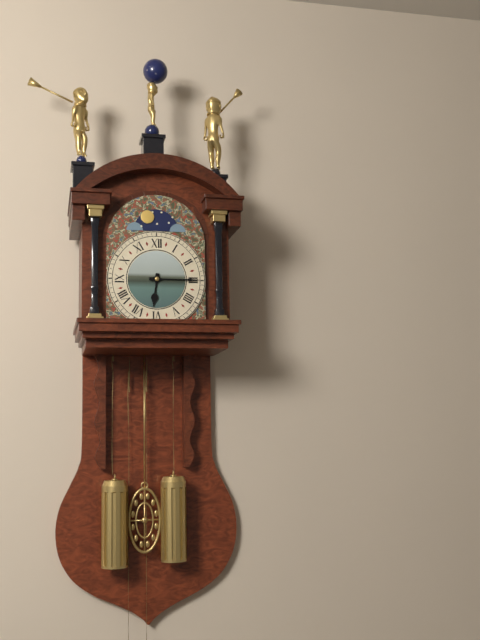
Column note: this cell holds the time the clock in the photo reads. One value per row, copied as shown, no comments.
6:15
